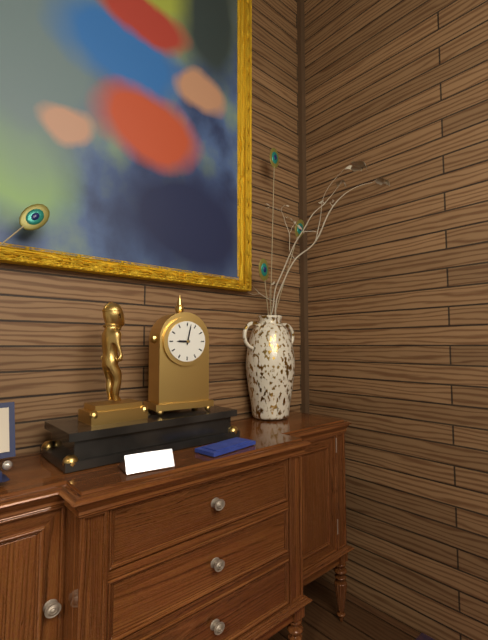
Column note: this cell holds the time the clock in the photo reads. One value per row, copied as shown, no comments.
9:02
